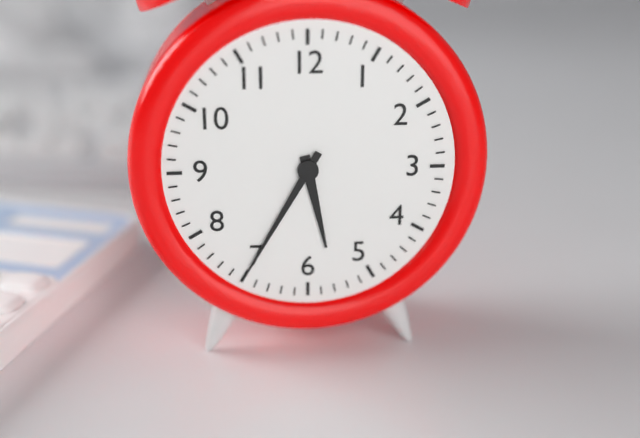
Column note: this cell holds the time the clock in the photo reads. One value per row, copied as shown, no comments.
5:35
